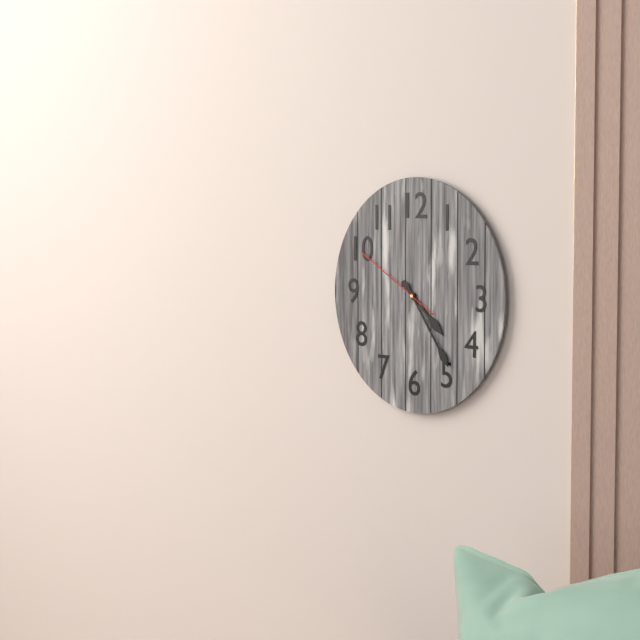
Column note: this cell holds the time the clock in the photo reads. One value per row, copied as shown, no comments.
4:24:50
